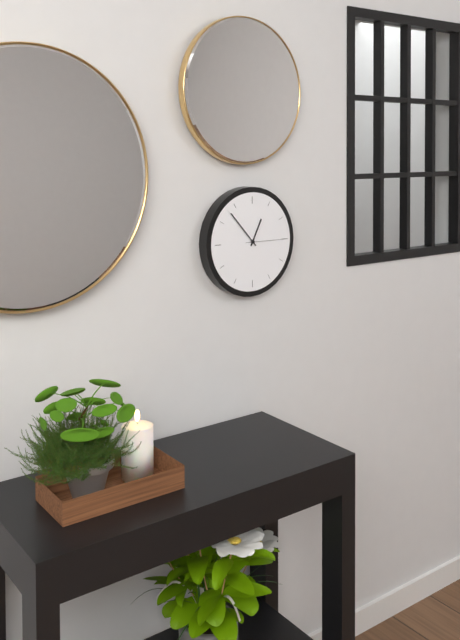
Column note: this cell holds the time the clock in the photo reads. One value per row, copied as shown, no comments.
12:53
